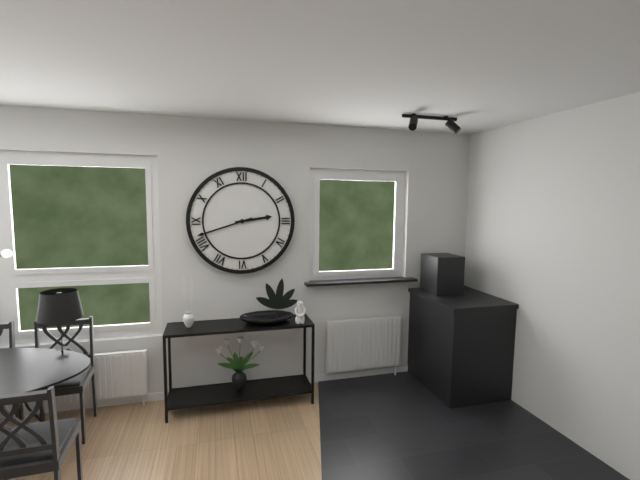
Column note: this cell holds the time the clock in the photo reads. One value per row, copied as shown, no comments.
2:42
